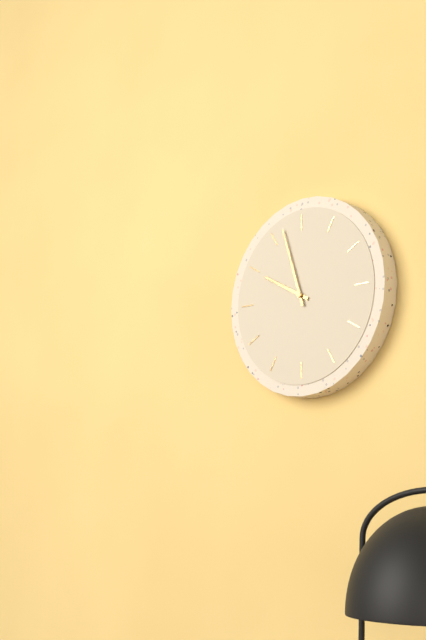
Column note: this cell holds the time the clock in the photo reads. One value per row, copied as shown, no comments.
9:57
